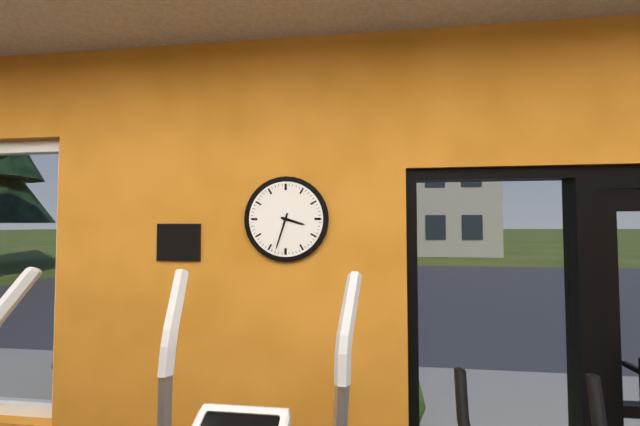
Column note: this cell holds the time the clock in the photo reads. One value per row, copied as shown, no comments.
3:33
